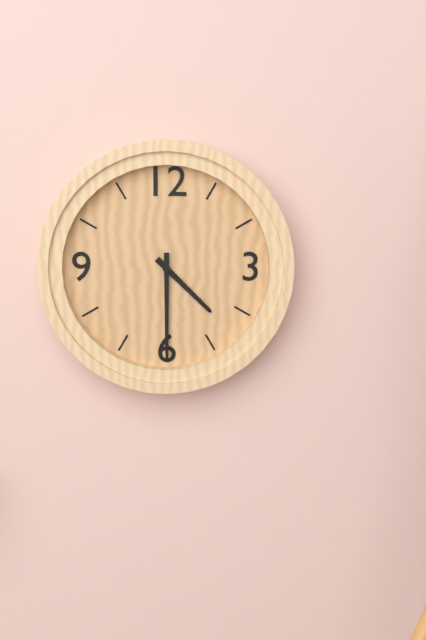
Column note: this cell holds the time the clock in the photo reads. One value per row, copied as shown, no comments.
4:30
